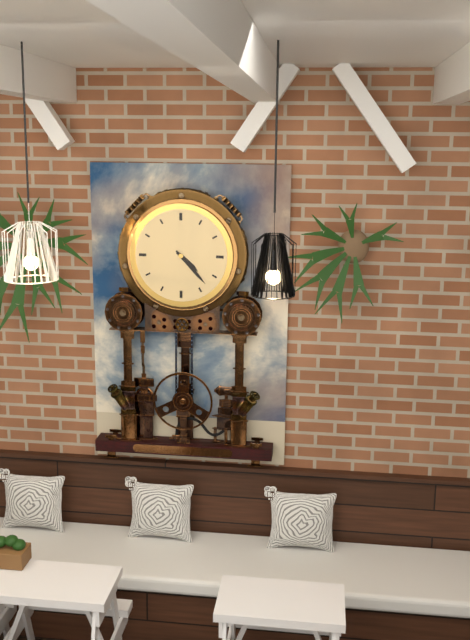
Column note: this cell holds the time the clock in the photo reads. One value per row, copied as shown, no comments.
4:23
